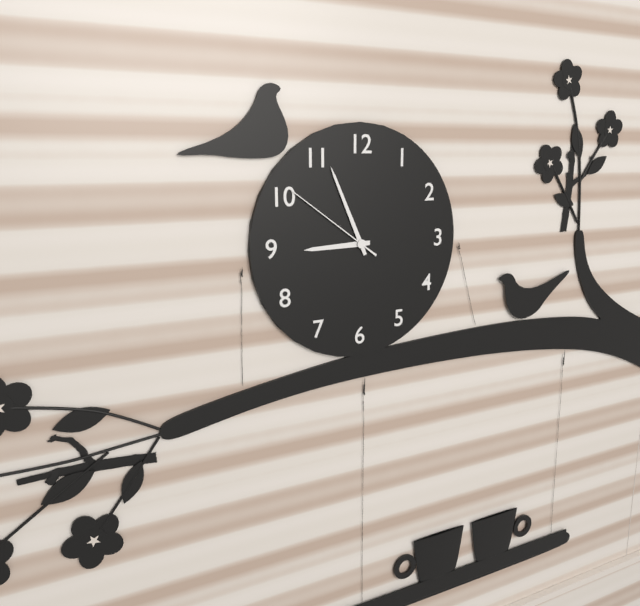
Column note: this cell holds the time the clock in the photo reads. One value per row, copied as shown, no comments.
8:56:51
